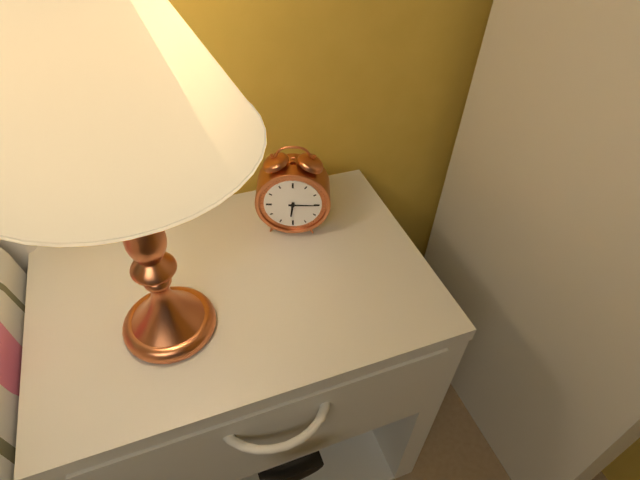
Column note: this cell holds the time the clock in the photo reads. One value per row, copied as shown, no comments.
6:15
